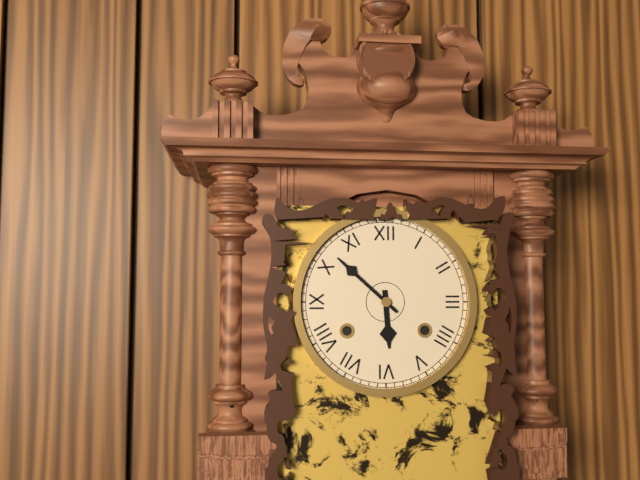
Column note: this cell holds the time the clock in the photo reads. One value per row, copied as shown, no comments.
5:52
